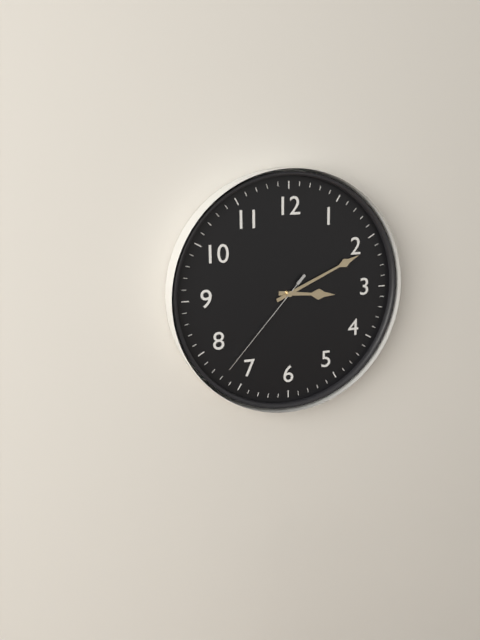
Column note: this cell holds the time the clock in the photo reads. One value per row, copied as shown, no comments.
3:11:37
